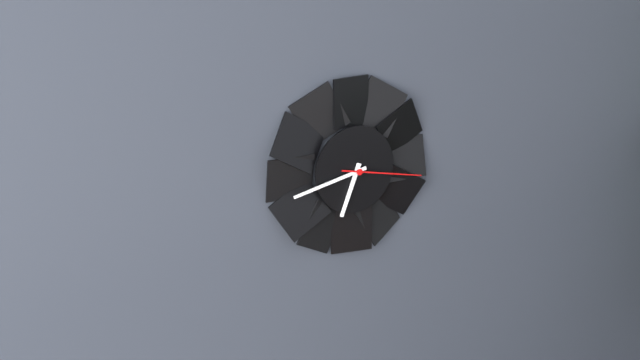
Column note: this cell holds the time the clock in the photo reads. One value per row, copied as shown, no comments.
6:43:17
